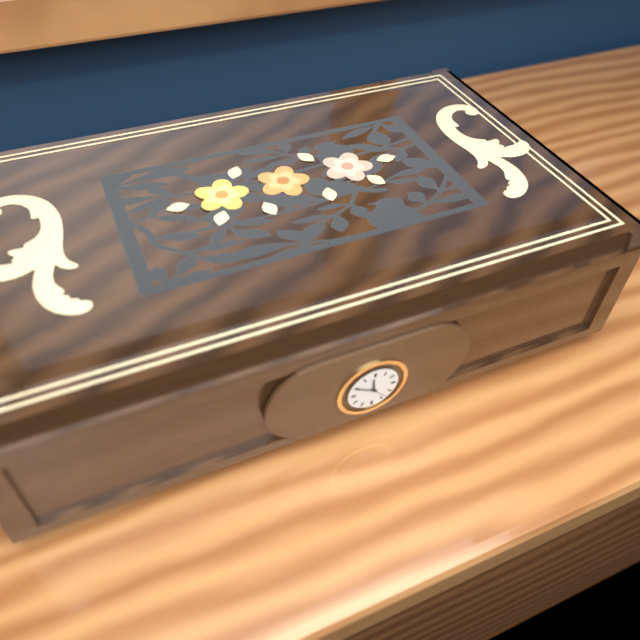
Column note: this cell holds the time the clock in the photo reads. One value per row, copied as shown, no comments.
11:50:23
